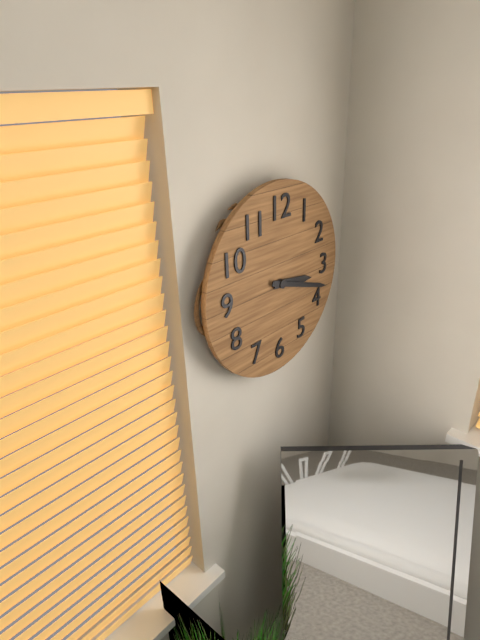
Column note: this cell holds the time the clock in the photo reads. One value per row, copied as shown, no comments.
3:18
